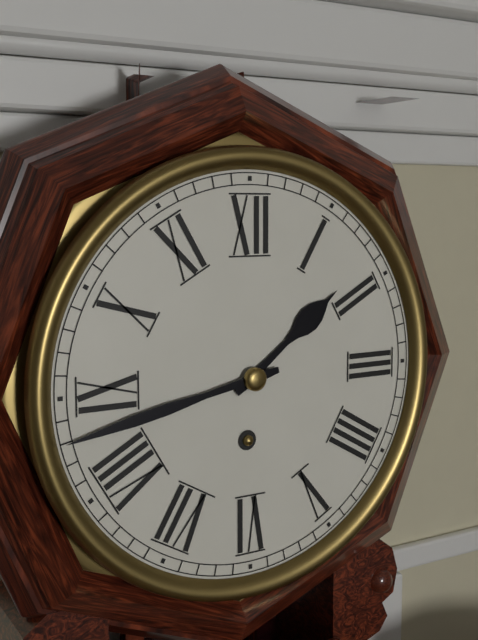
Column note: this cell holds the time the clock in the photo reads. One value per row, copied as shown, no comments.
1:43
